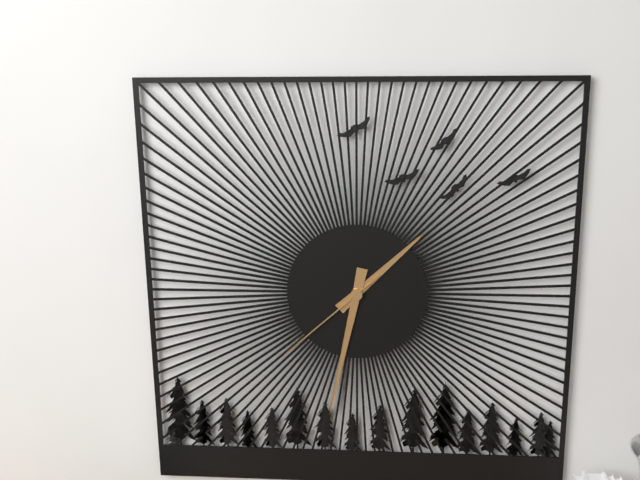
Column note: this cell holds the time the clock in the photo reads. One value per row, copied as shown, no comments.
1:32:38
